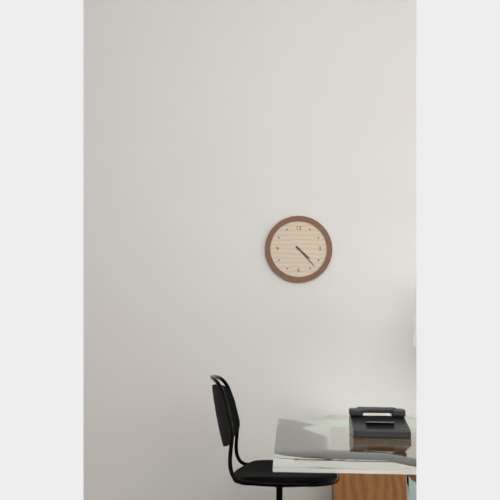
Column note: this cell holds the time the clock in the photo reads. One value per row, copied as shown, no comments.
4:23
